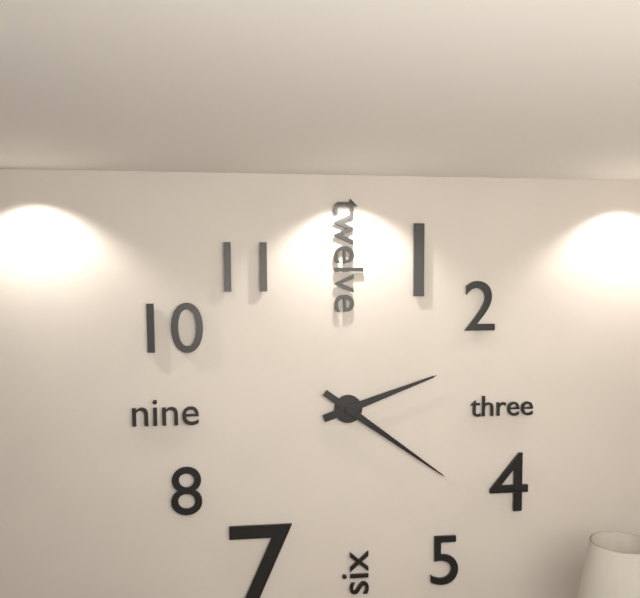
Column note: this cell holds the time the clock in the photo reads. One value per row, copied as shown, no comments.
2:21
